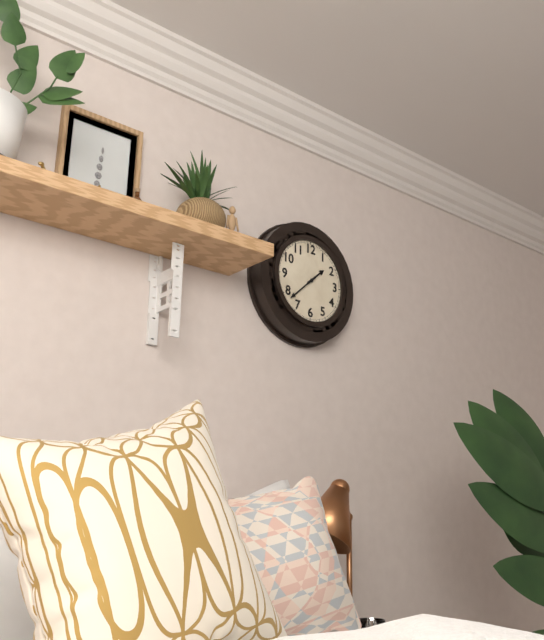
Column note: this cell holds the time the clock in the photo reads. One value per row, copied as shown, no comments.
1:38
